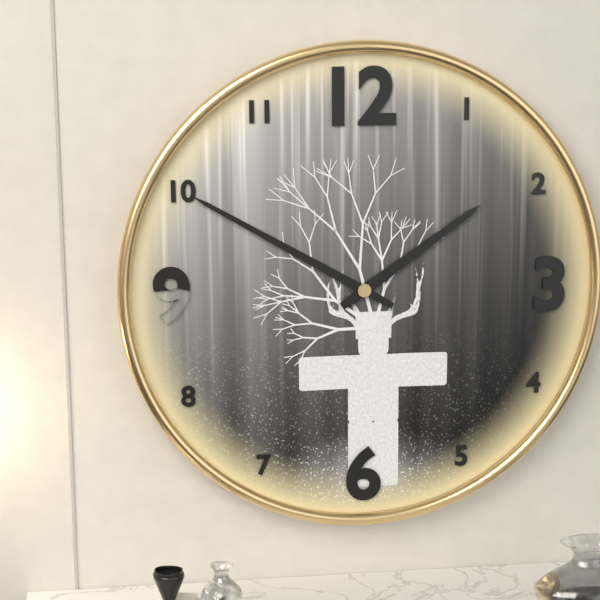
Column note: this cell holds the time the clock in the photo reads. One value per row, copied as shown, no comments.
1:50
